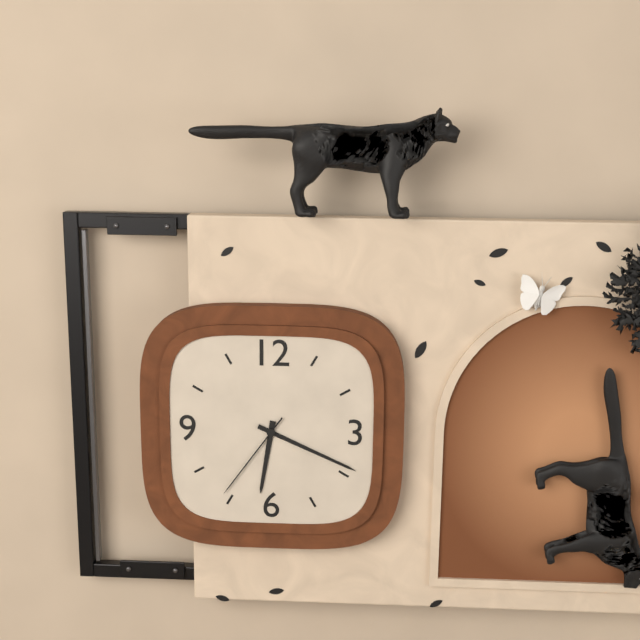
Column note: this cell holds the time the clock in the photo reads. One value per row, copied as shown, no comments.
6:19:36
